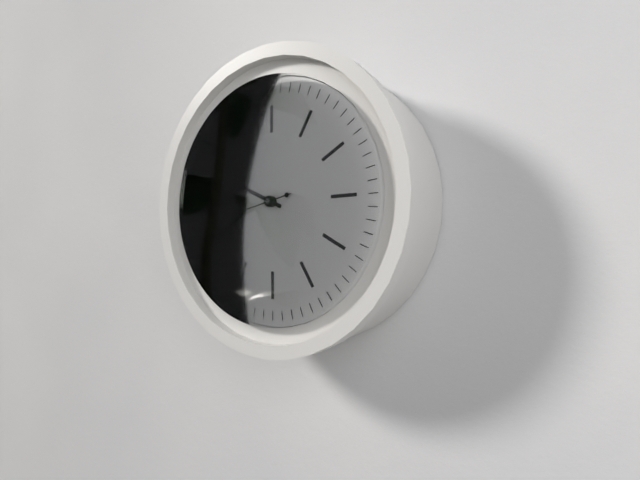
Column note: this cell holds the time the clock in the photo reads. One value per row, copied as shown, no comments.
9:49:43
